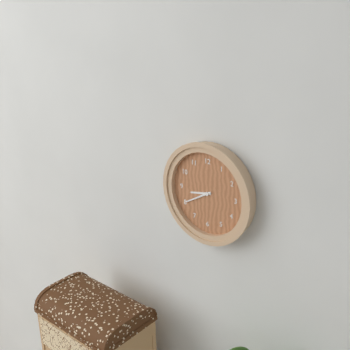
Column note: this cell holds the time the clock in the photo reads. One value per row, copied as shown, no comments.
8:40
